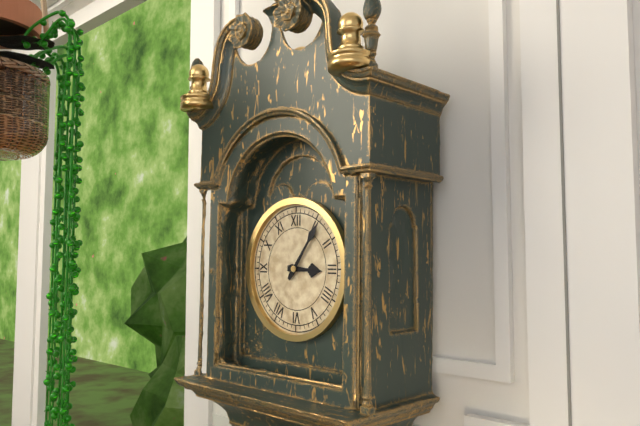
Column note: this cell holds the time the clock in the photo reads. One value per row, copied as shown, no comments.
3:06
